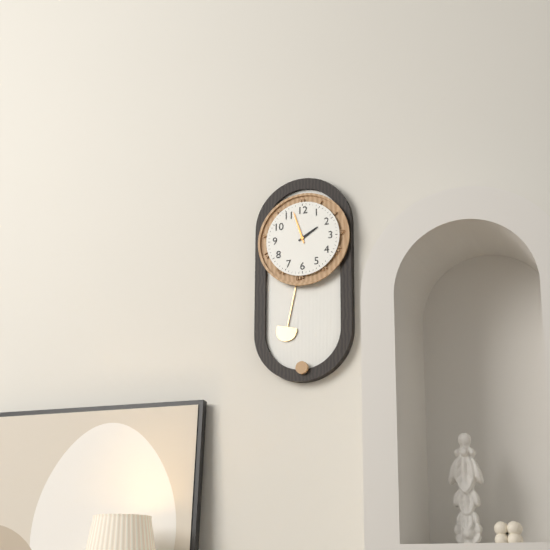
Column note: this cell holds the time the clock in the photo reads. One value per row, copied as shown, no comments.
1:57
